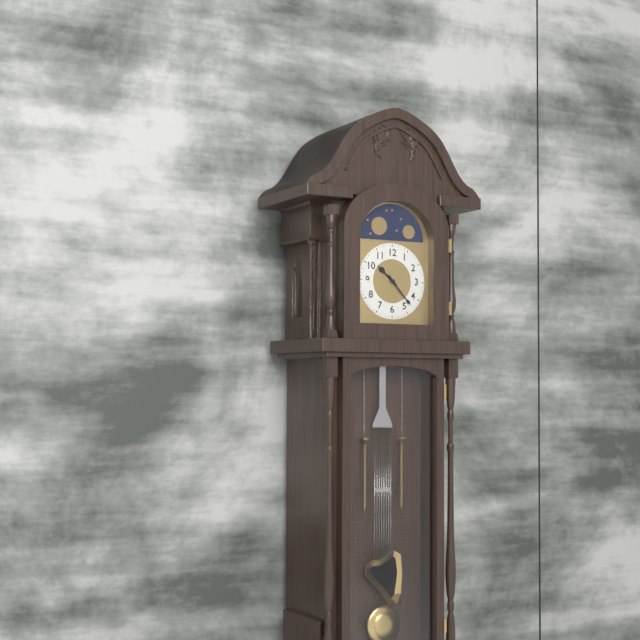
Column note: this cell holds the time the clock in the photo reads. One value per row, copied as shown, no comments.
10:23
